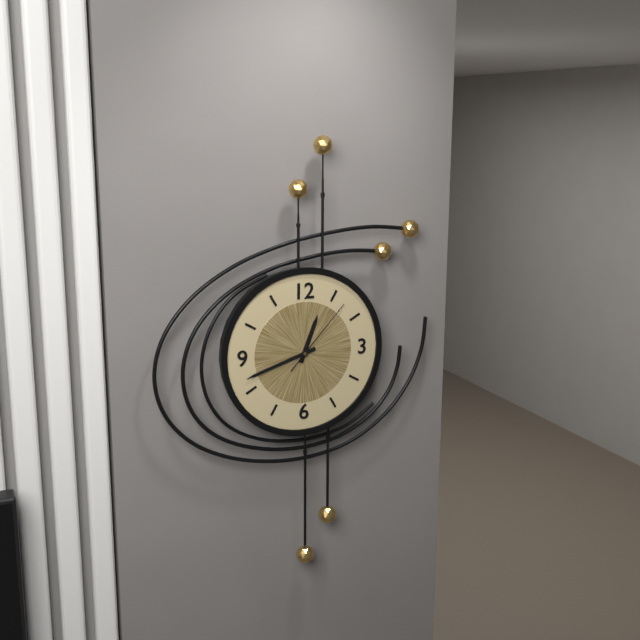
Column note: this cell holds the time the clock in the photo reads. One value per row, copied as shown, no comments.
12:42:07
